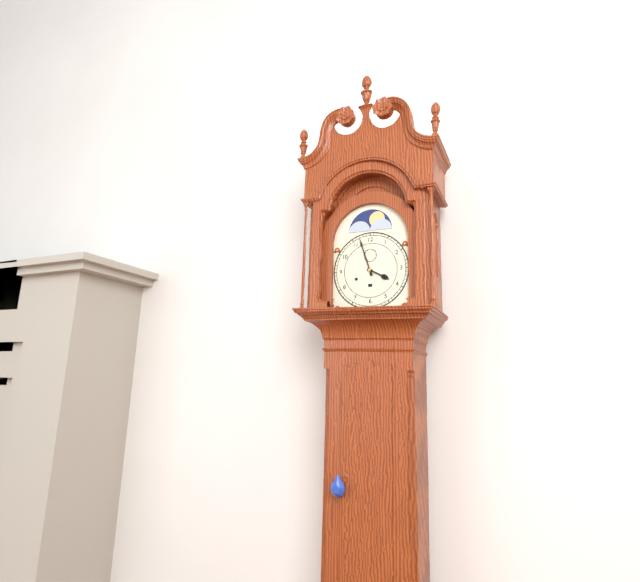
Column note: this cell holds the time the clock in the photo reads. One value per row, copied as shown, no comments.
3:57
